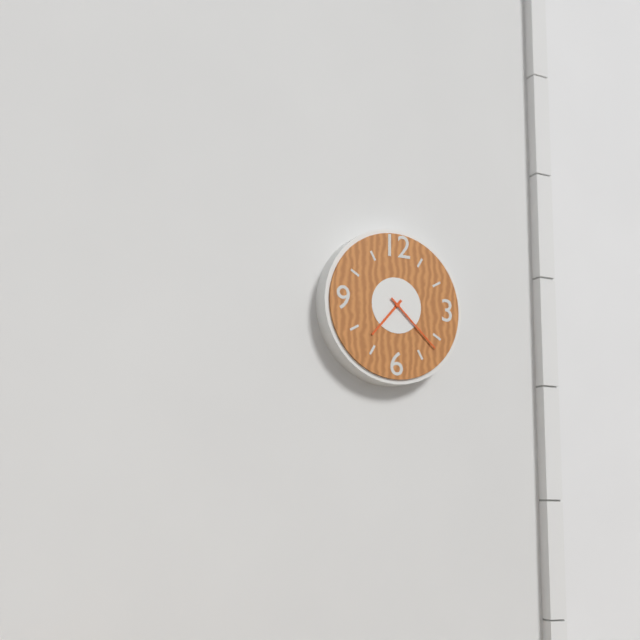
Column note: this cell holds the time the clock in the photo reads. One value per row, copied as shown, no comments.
7:22
